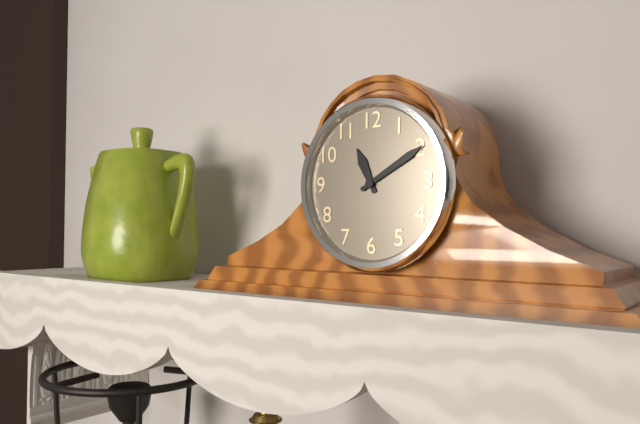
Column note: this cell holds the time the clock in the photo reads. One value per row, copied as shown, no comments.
11:10
